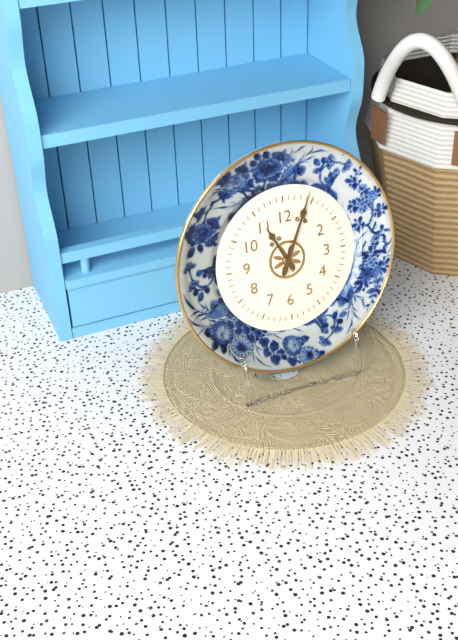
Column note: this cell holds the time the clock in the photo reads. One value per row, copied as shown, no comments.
11:04
